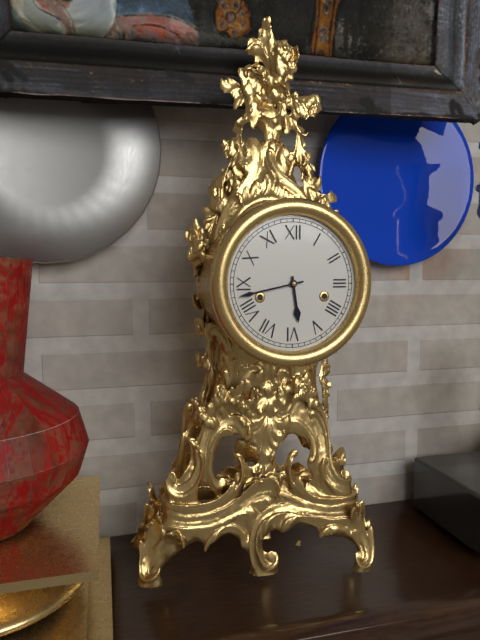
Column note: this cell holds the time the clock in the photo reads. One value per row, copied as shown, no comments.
5:43
